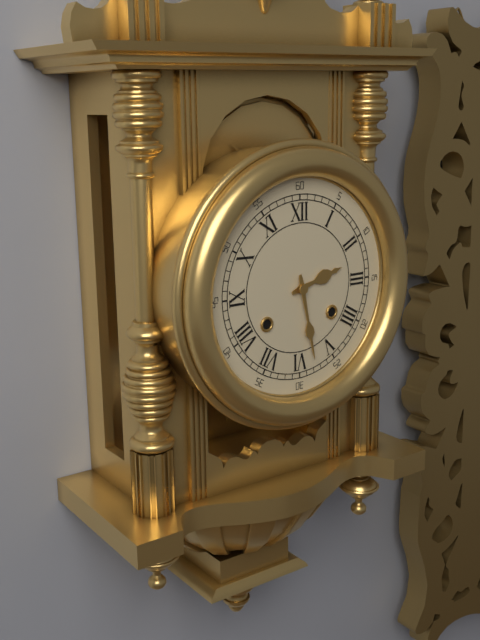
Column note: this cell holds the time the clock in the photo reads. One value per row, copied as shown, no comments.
2:28
